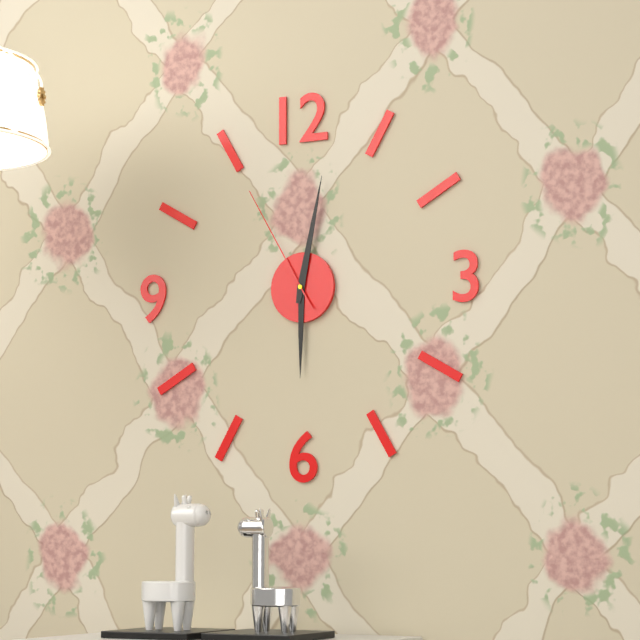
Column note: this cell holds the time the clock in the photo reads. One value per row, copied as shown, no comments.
6:02:55
